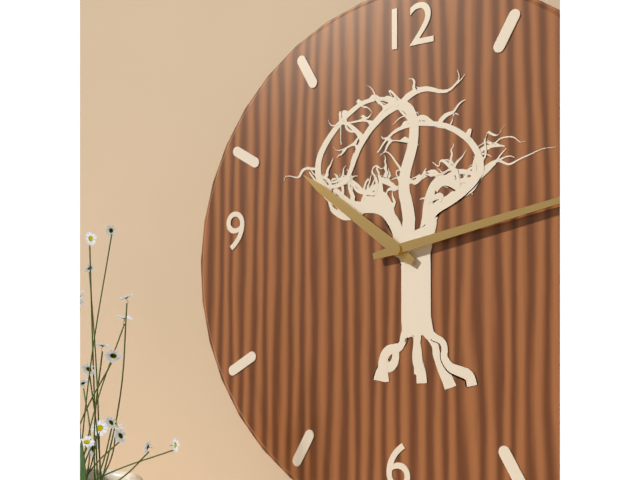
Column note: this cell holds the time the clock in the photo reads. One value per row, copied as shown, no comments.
10:13
